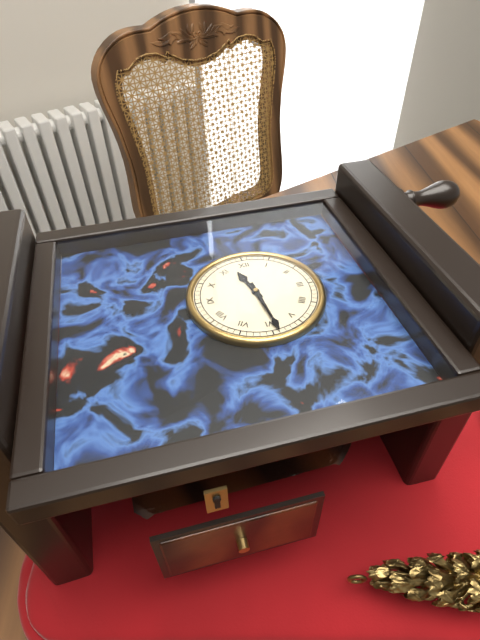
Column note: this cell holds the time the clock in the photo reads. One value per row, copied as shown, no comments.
11:29
